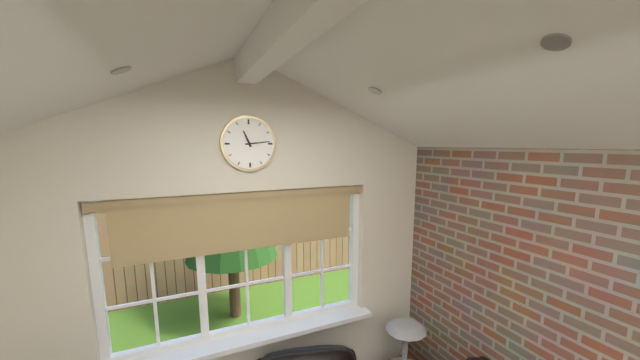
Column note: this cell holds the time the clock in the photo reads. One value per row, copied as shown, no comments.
11:14
